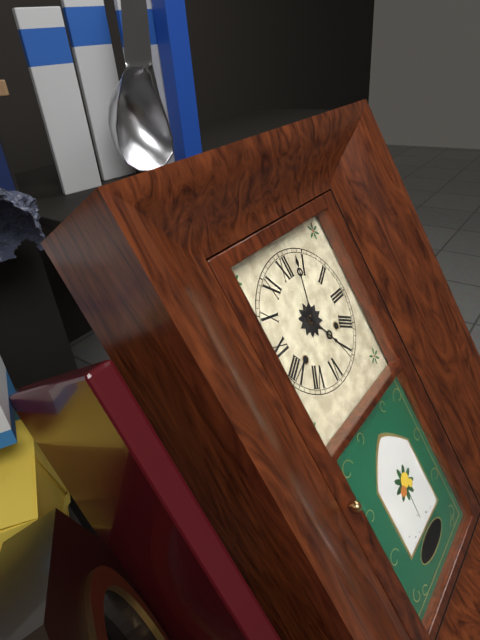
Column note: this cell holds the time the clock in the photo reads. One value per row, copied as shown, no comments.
5:03
